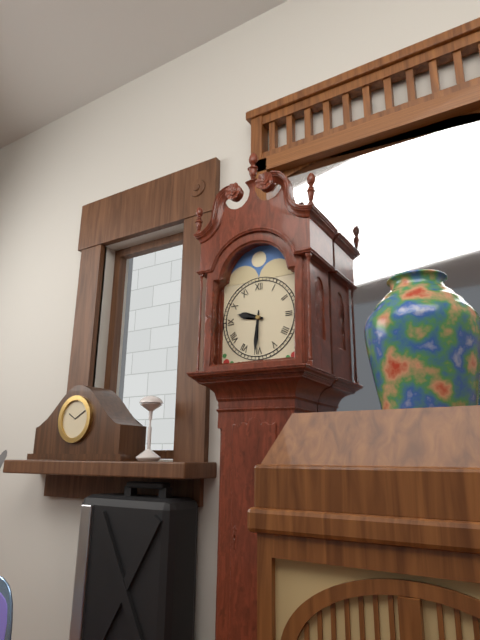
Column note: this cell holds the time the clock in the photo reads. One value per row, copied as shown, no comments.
9:31
